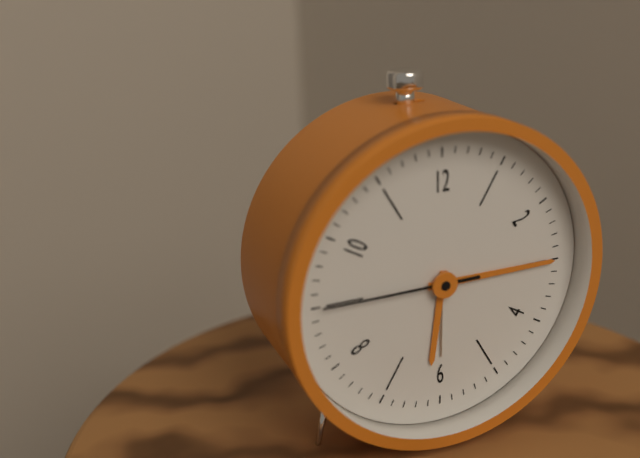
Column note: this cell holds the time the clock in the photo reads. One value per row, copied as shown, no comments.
6:15:45
